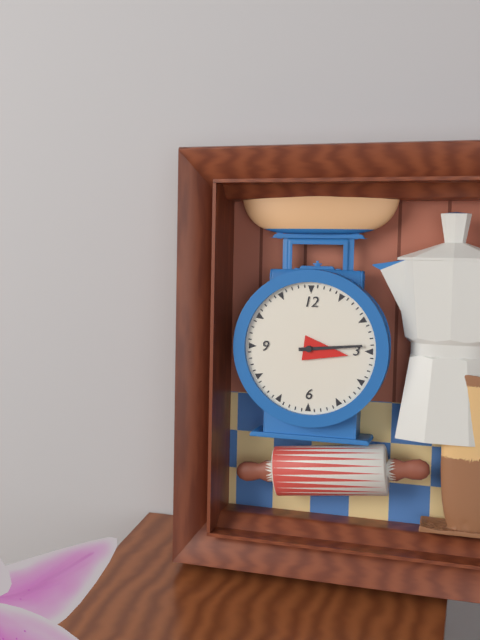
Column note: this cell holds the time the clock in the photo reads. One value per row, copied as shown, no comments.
3:14
